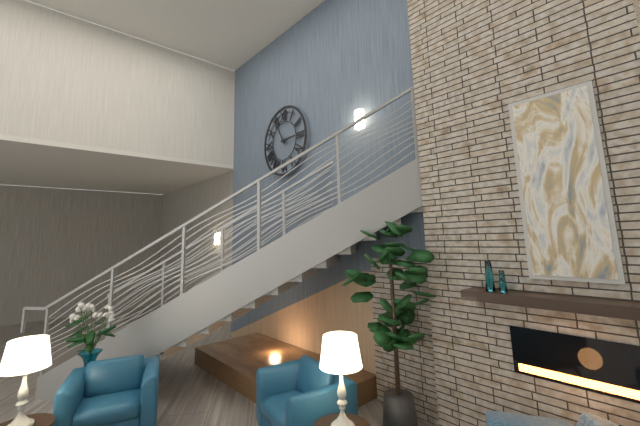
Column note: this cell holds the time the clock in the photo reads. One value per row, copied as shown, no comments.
2:55
